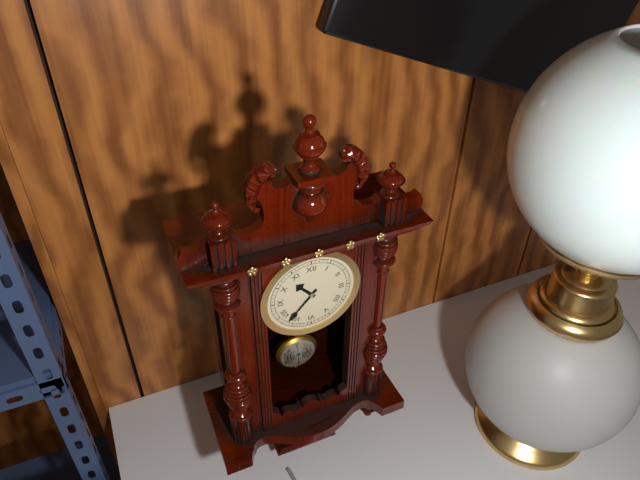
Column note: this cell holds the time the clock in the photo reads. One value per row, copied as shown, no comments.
10:37
